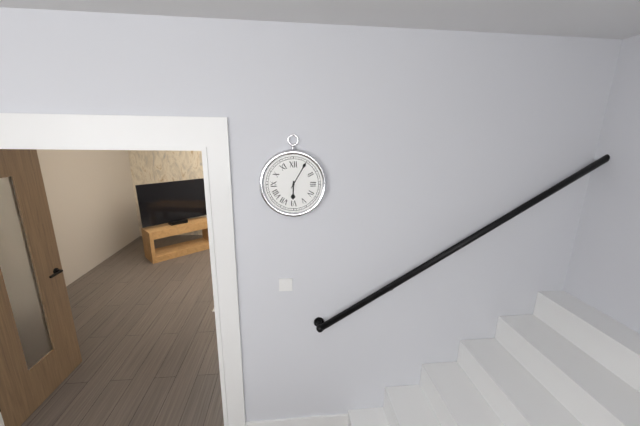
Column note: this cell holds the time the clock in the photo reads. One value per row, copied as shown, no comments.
6:05
